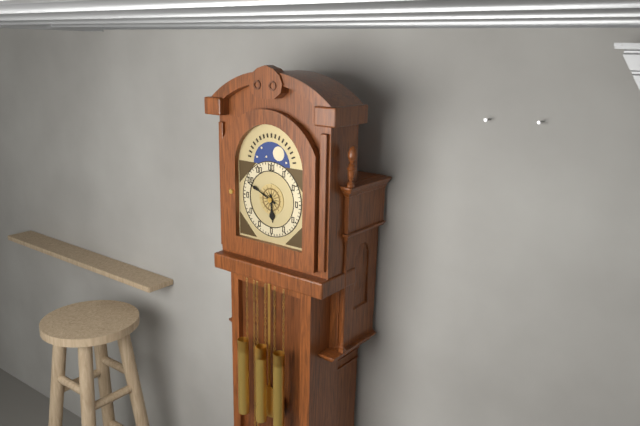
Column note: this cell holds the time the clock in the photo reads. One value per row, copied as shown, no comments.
5:49
